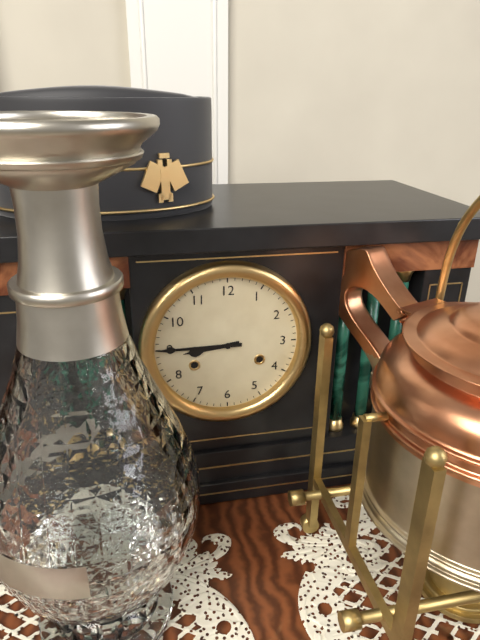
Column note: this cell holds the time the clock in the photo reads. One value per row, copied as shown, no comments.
8:45
